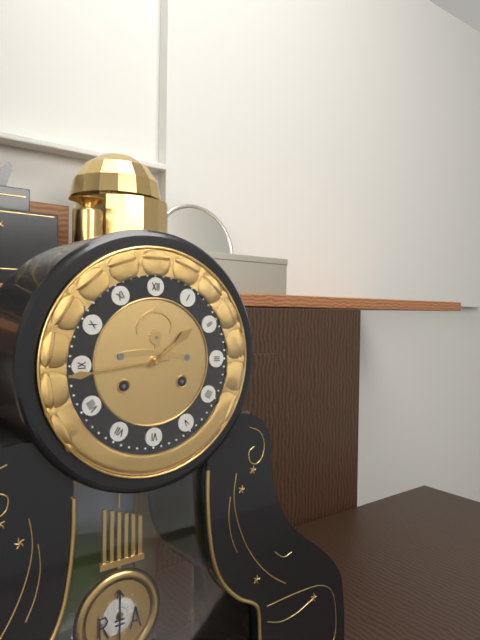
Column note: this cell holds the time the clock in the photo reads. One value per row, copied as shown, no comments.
1:44
